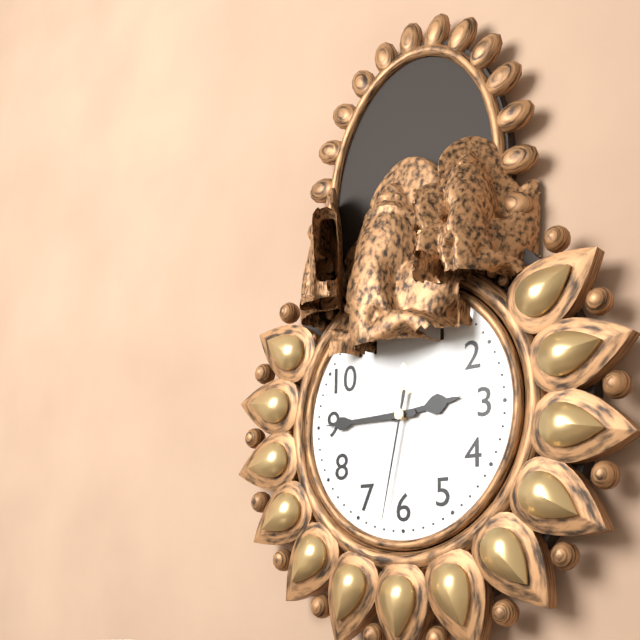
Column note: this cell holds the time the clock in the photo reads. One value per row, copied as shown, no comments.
2:45:32
